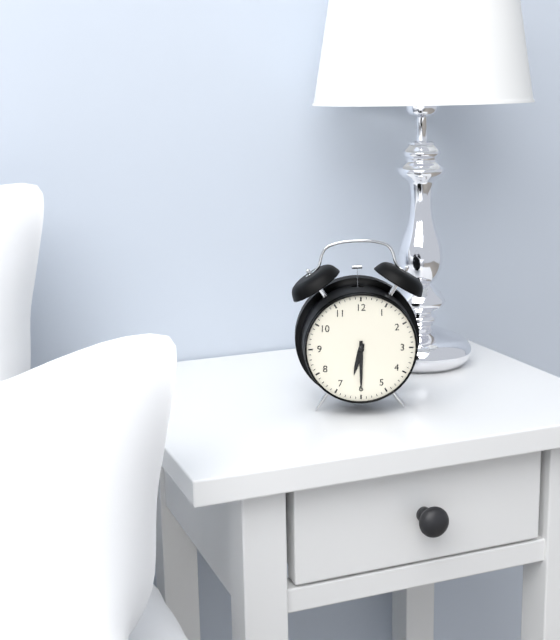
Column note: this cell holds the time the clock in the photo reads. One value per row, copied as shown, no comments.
6:30
